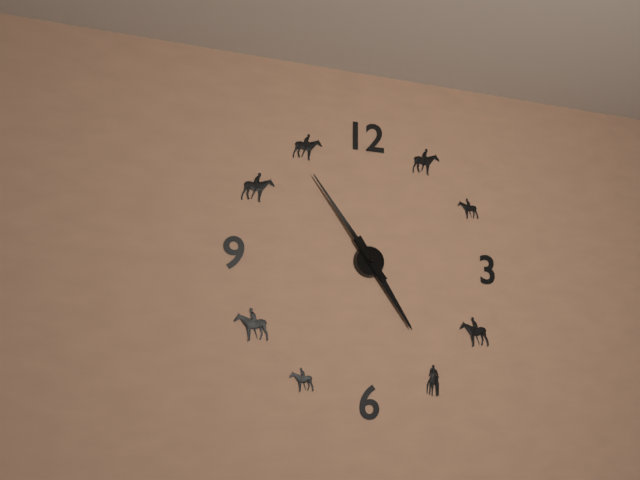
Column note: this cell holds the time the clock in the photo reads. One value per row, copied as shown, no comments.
4:54
